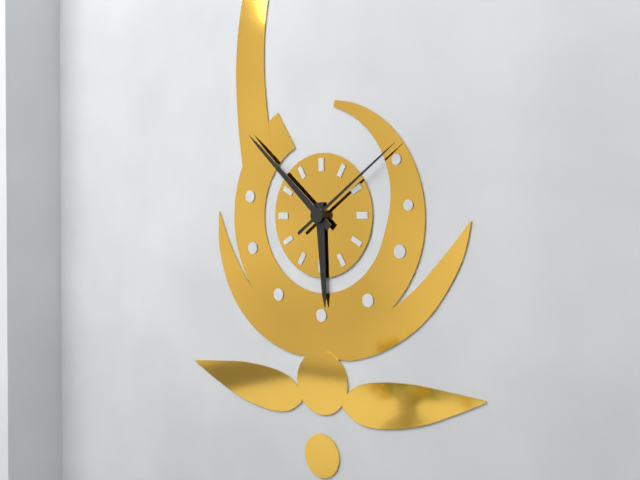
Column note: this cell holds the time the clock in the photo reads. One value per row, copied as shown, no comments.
5:52:09
